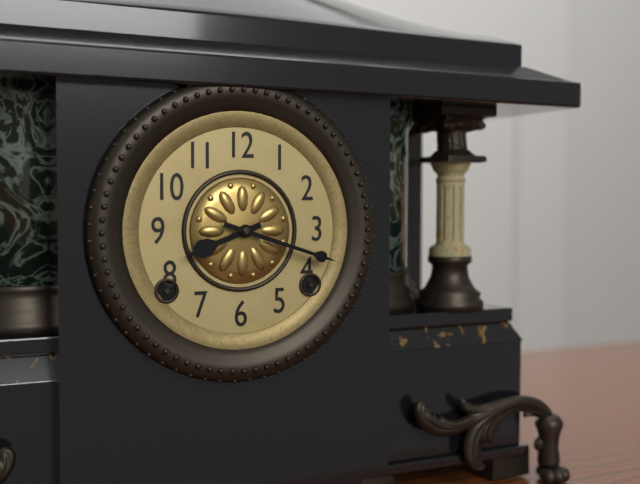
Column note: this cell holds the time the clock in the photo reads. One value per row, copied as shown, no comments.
8:18
